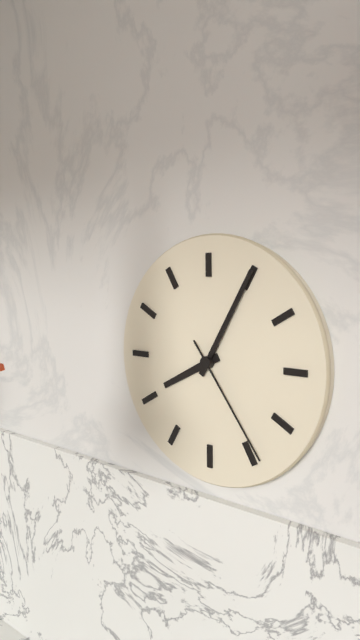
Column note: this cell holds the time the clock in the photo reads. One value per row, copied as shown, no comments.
8:05:24
